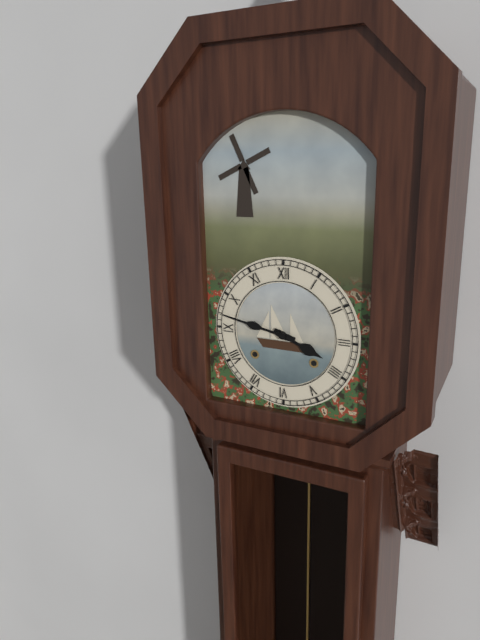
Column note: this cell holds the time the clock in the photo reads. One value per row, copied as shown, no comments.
3:47
